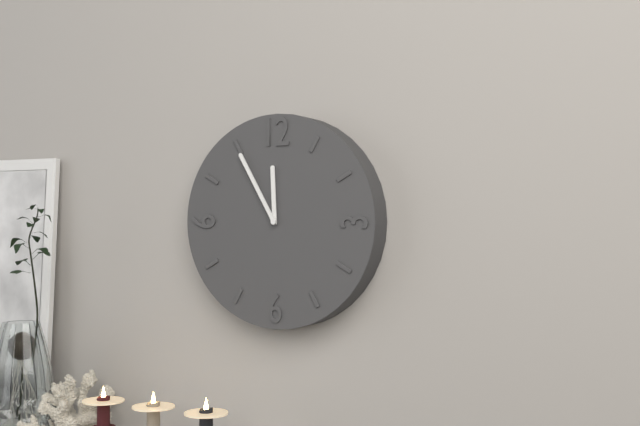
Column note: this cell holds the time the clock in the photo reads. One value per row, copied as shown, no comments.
11:55
